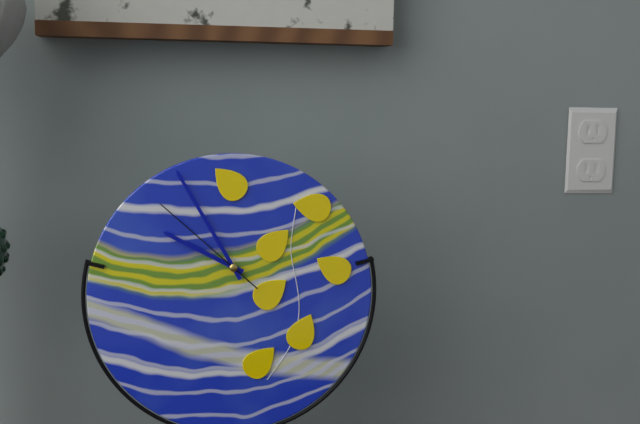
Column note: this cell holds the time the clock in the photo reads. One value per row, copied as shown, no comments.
9:55:52
